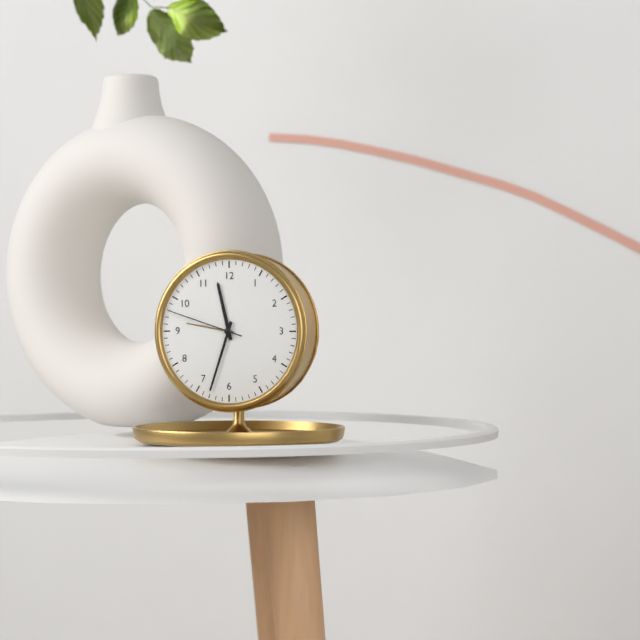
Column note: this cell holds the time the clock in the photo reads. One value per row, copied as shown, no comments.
11:33:48
